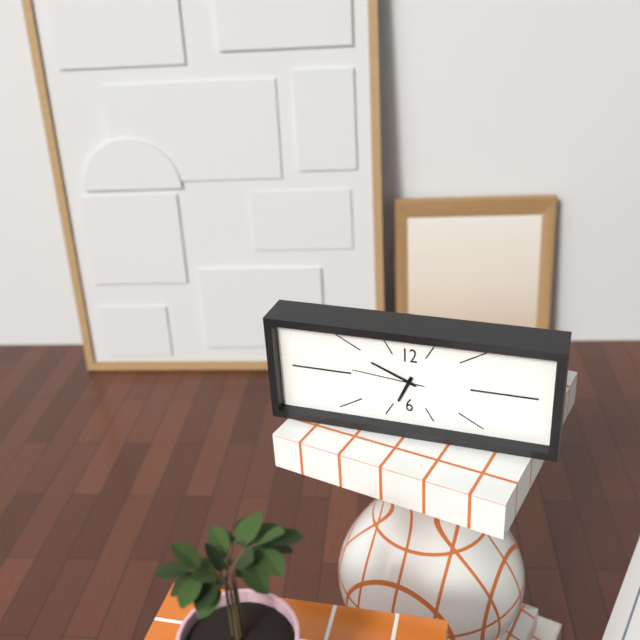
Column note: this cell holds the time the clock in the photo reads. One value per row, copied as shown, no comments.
6:49:46
